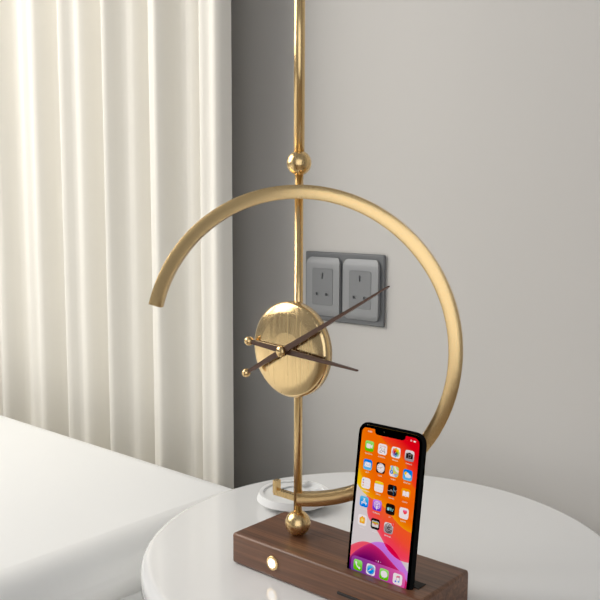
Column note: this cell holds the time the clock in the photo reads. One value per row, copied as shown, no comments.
3:10
